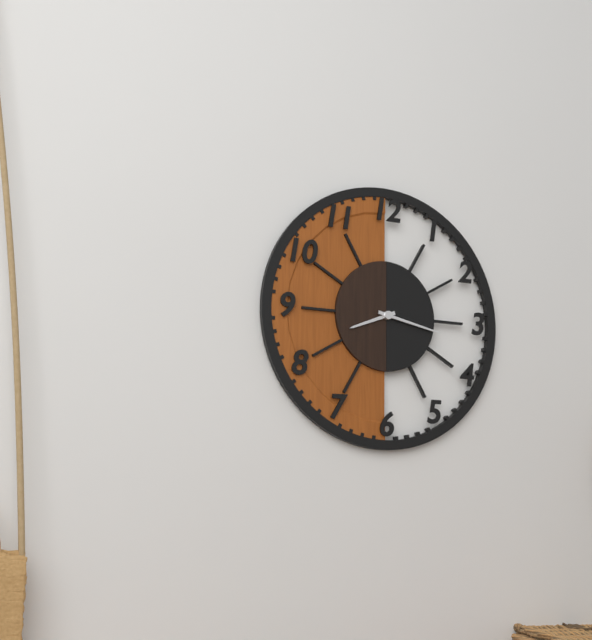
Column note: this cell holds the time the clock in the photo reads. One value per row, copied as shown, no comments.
8:17
